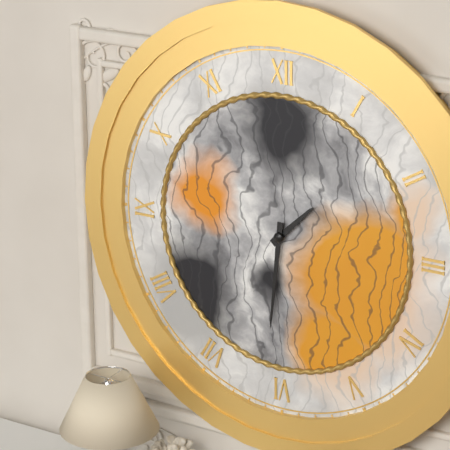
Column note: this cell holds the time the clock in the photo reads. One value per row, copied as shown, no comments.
1:31
